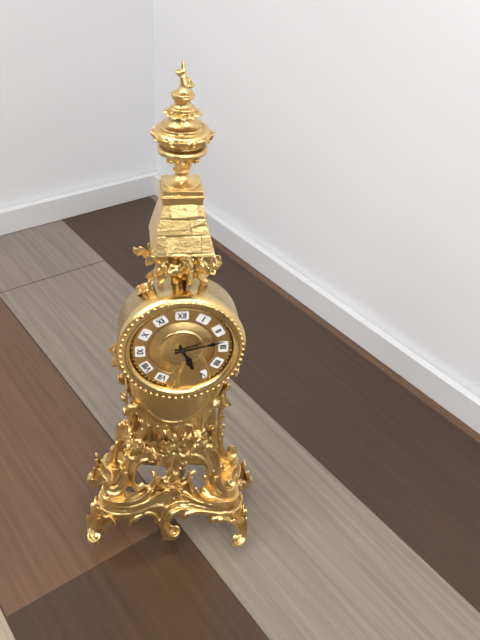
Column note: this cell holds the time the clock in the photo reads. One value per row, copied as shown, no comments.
5:13
